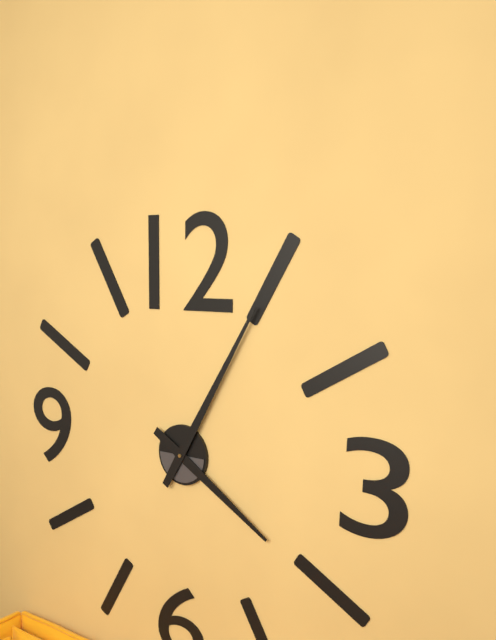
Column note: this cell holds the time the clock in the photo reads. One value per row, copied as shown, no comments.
4:05
